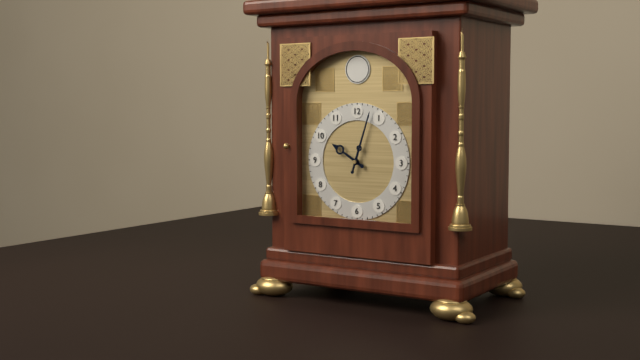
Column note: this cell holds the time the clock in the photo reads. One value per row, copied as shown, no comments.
10:03
